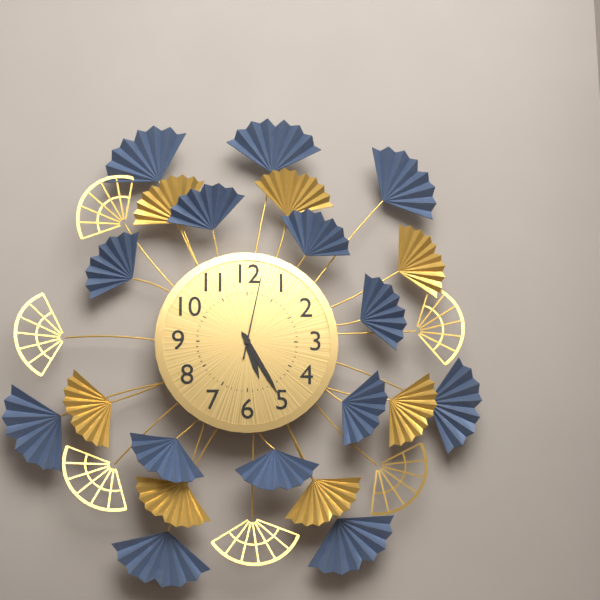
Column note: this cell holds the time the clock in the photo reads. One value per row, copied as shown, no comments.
5:25:02
